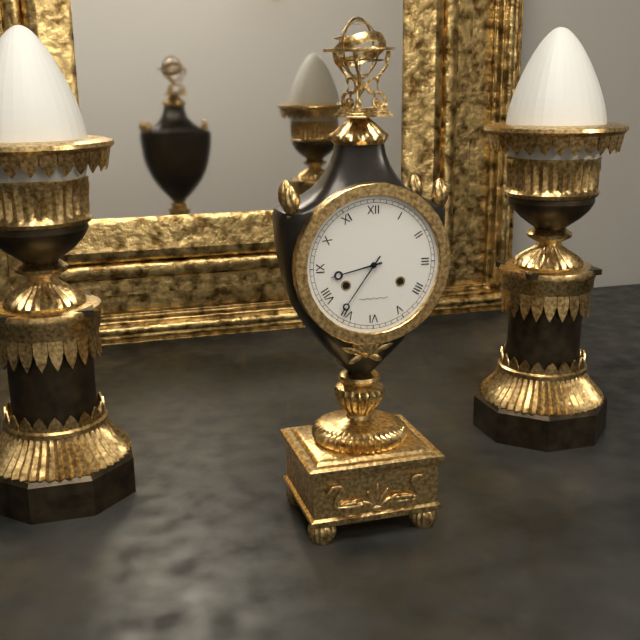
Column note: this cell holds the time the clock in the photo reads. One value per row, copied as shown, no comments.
8:36
